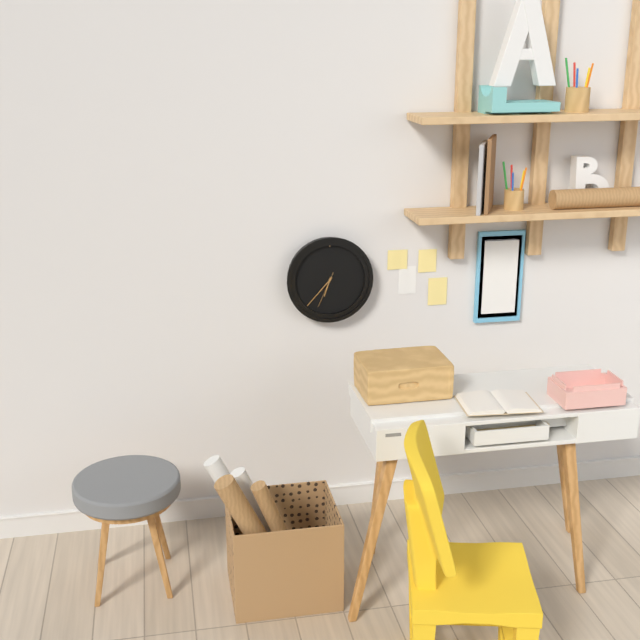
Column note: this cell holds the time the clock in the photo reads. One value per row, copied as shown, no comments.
6:37
